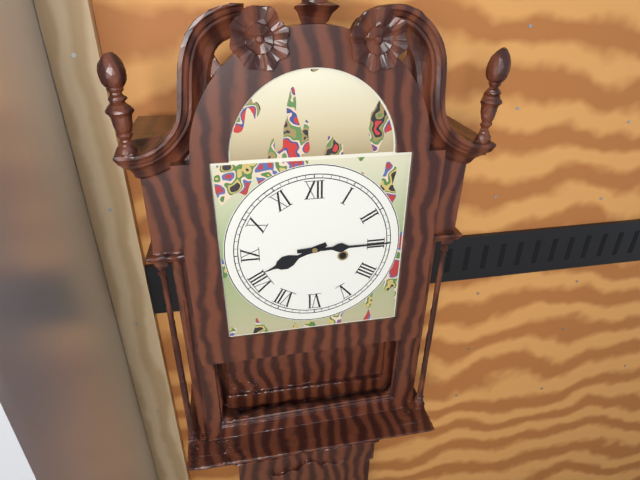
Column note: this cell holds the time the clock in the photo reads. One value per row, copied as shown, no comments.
8:15
